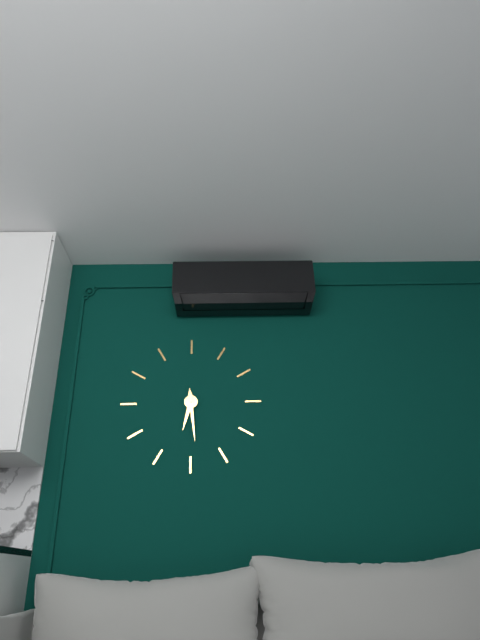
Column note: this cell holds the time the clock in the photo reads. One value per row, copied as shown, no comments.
6:29
